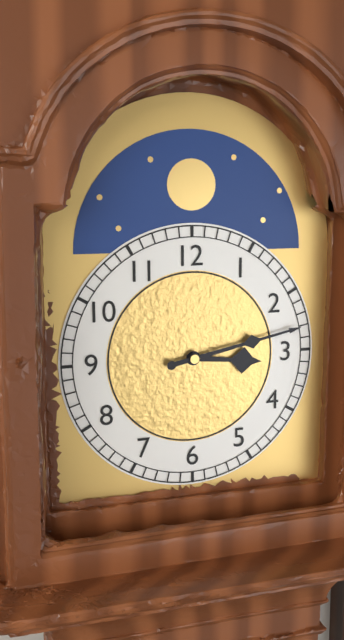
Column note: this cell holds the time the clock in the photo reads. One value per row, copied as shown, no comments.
3:13
